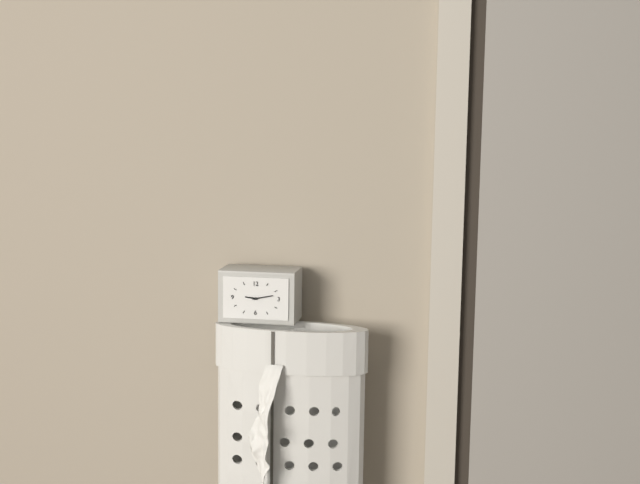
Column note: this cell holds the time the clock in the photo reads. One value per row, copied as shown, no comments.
9:13
